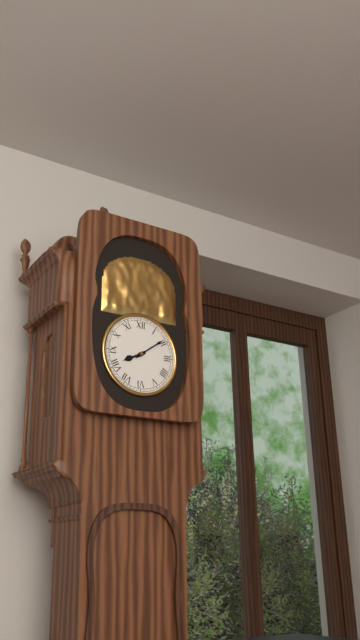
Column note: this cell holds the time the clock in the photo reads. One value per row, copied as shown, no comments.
8:09
